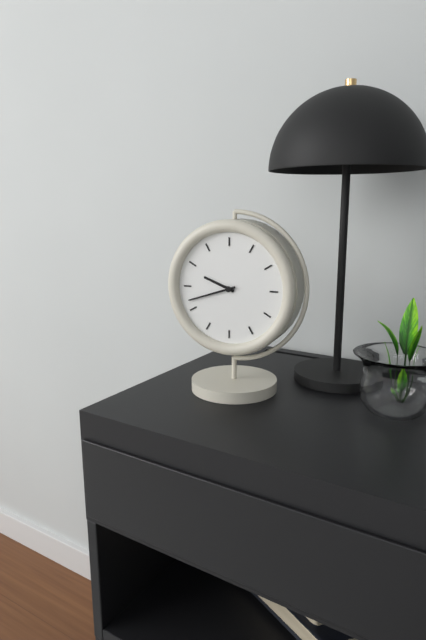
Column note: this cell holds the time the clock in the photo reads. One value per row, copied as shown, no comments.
9:42
